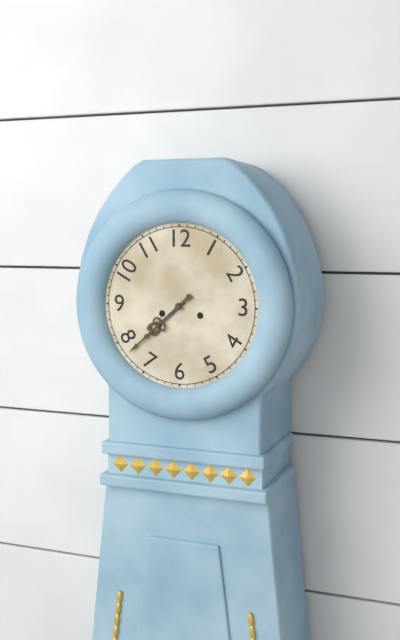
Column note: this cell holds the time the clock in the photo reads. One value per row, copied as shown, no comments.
7:38
